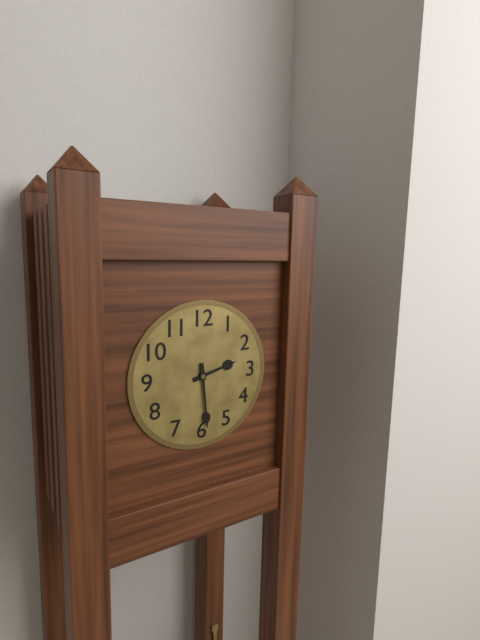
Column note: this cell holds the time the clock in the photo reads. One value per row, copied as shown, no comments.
2:29
